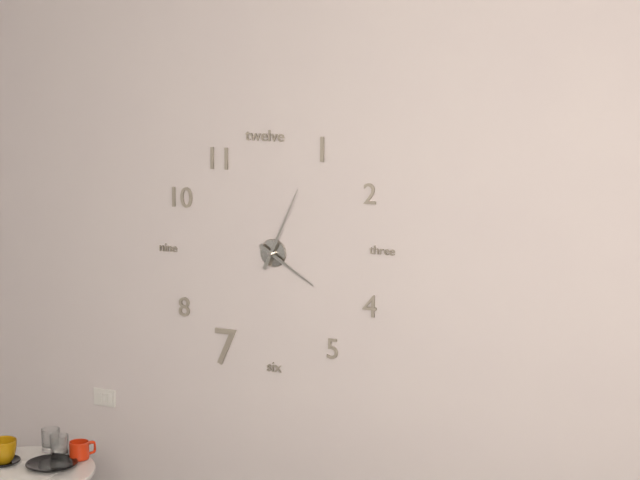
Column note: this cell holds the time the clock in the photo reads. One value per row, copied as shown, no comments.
4:04
